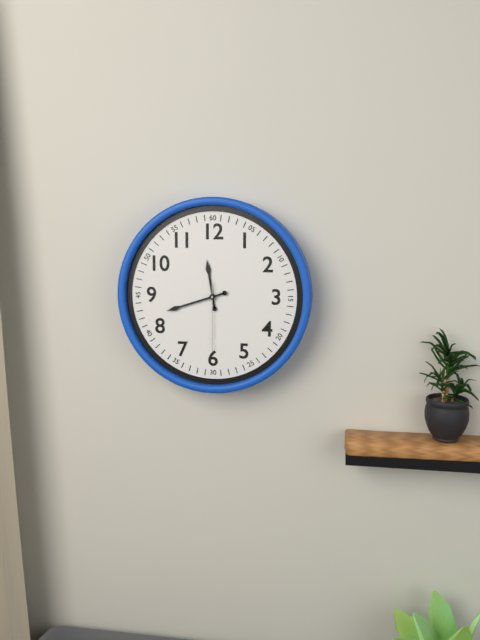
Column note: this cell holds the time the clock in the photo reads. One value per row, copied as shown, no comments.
11:42:30
